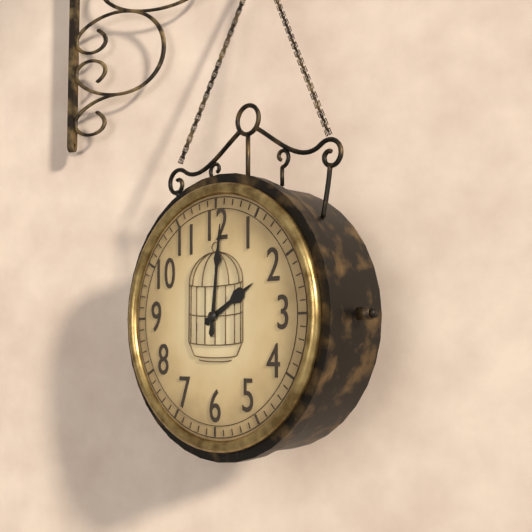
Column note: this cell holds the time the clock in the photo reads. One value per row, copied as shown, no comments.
2:01
